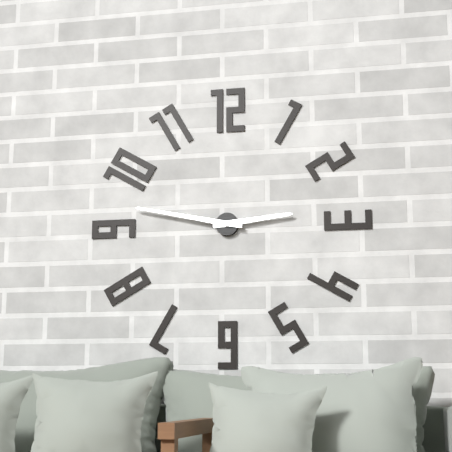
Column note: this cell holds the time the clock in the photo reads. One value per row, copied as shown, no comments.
2:47
